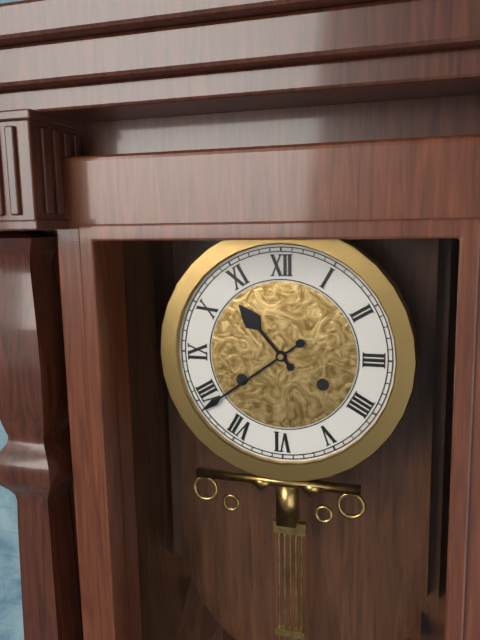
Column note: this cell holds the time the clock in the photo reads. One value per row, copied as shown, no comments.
10:39
